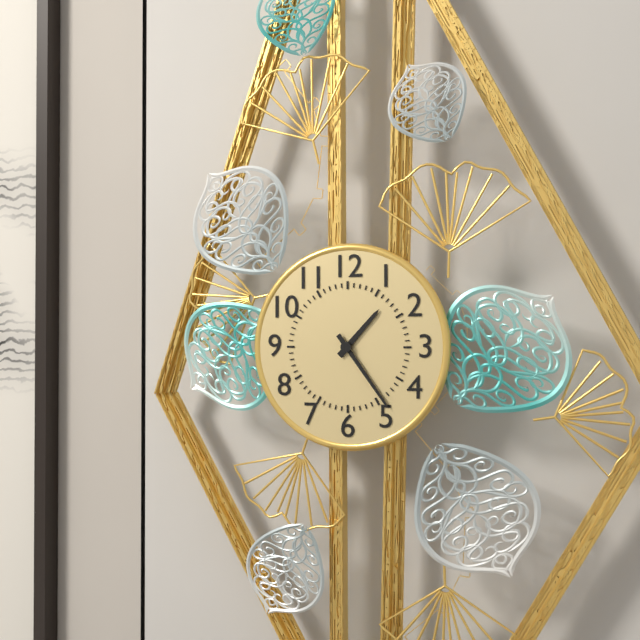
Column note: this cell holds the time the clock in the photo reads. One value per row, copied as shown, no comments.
1:24
